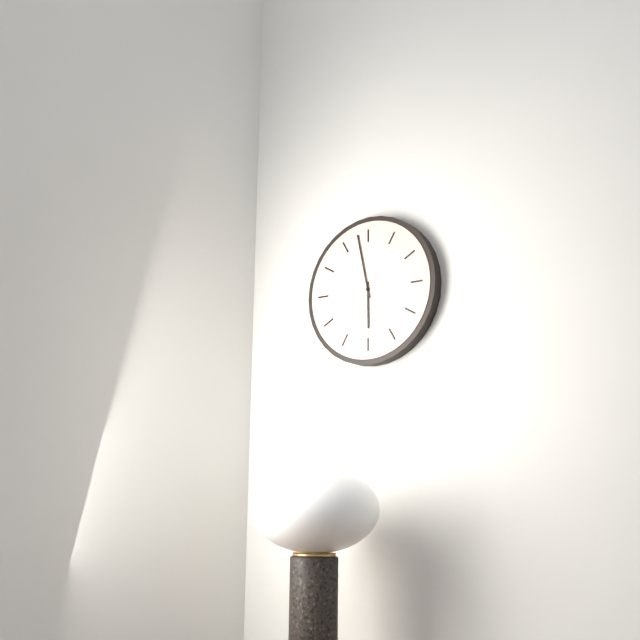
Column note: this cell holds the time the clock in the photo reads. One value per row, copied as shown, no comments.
5:58
